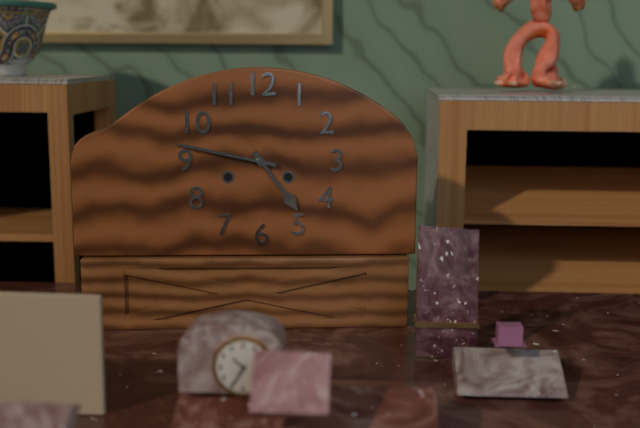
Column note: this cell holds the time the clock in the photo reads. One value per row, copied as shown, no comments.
4:47
